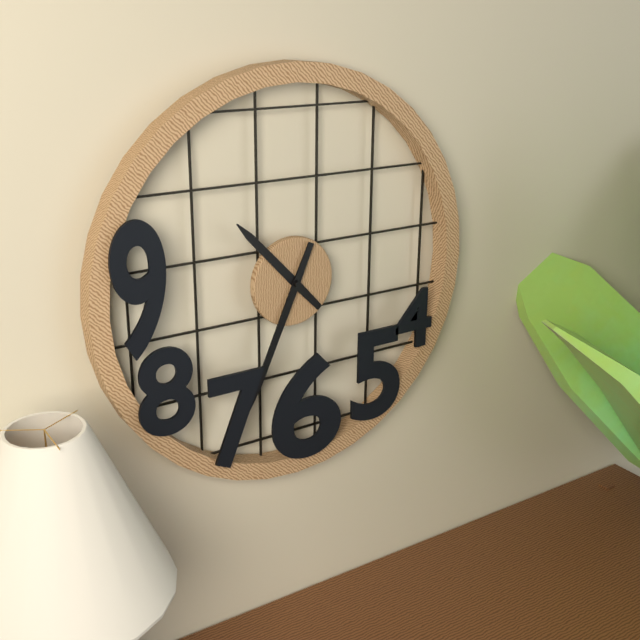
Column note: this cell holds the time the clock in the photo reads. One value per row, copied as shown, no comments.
10:34
